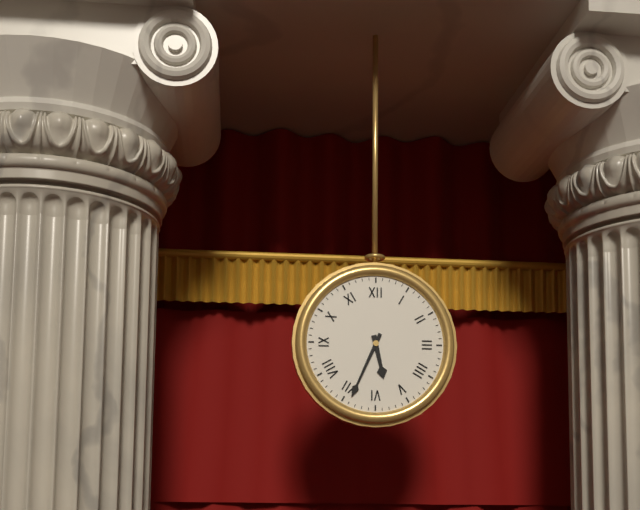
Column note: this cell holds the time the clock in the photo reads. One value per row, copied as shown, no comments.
5:34
